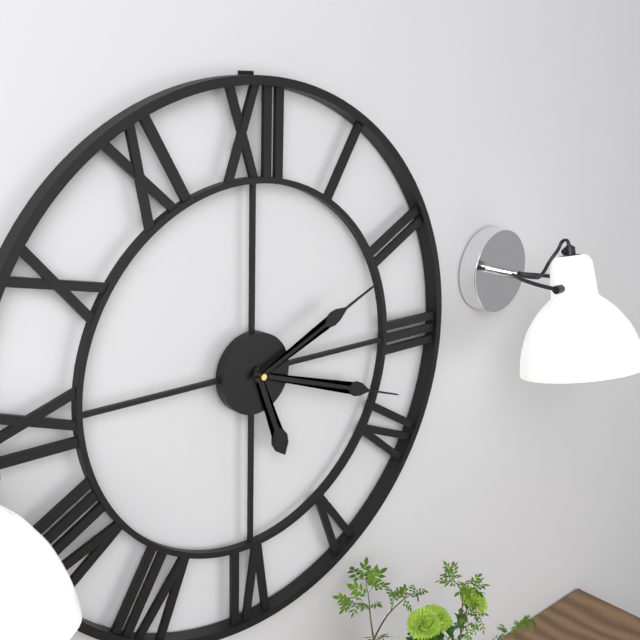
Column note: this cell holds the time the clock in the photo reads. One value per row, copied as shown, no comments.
5:18:11
